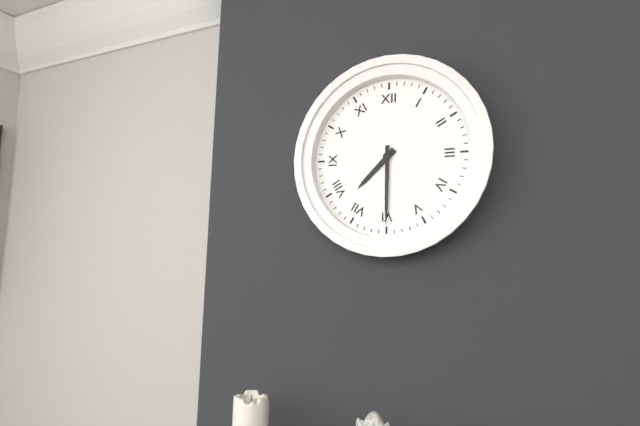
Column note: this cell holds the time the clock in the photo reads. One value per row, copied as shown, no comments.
7:30
